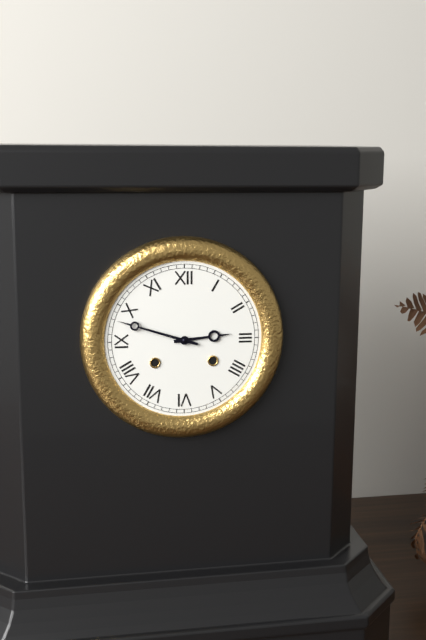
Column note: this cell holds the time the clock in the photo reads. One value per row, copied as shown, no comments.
2:48
